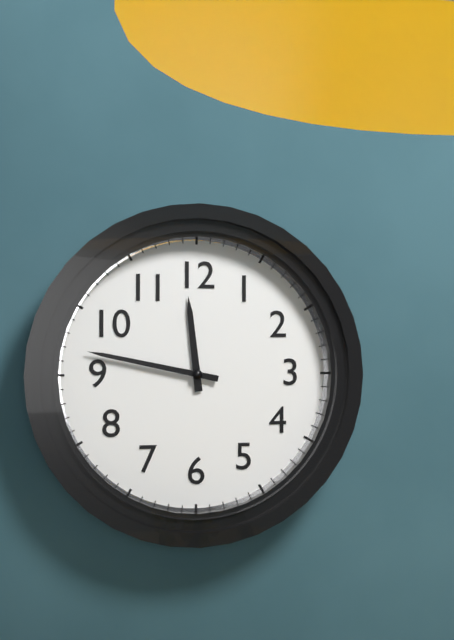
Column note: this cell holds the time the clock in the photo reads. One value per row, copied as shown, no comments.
11:47
